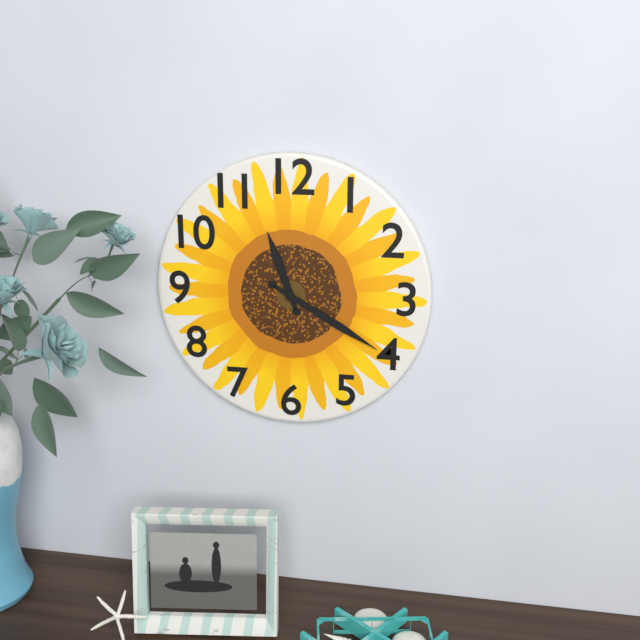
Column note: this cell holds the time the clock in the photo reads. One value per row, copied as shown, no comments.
11:20
